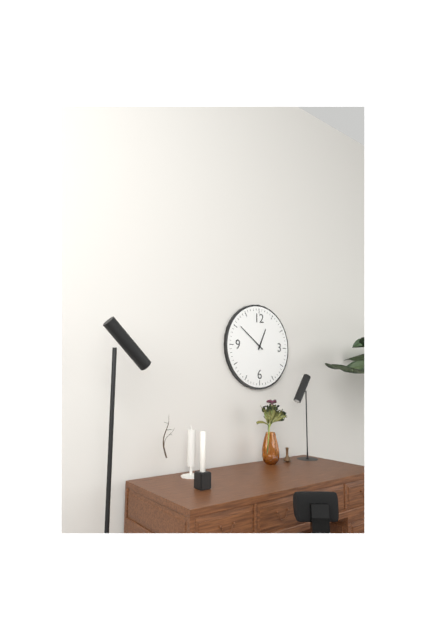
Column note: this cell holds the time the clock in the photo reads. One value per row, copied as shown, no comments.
12:51
